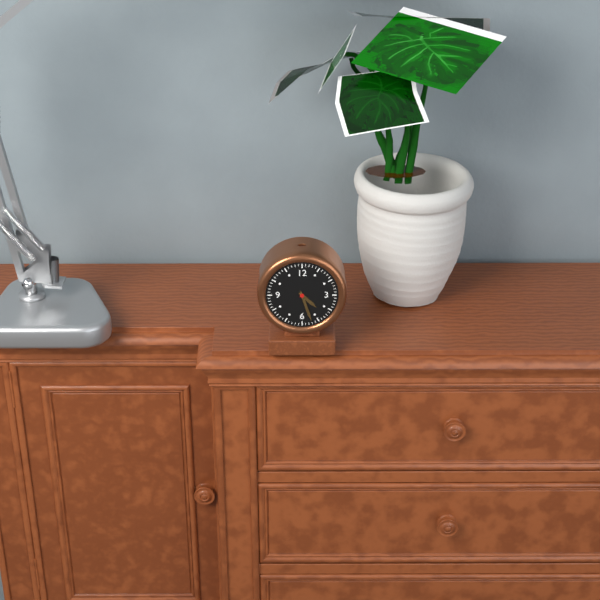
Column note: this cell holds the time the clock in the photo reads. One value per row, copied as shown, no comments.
4:27
